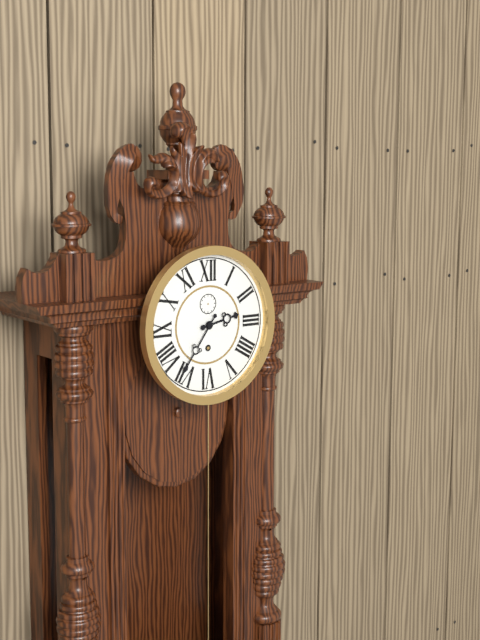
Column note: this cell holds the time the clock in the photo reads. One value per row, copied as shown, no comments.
2:36
